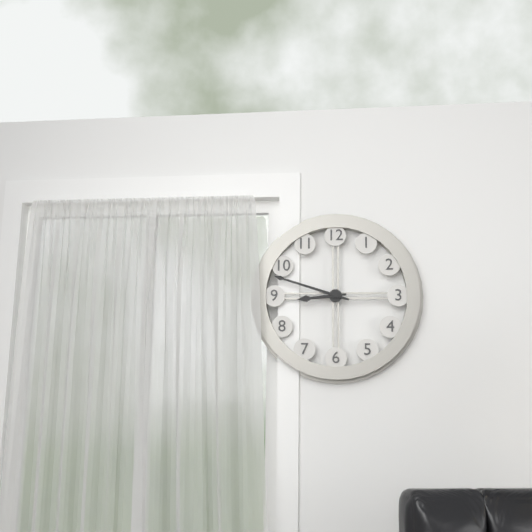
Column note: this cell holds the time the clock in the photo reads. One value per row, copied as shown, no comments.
8:48
